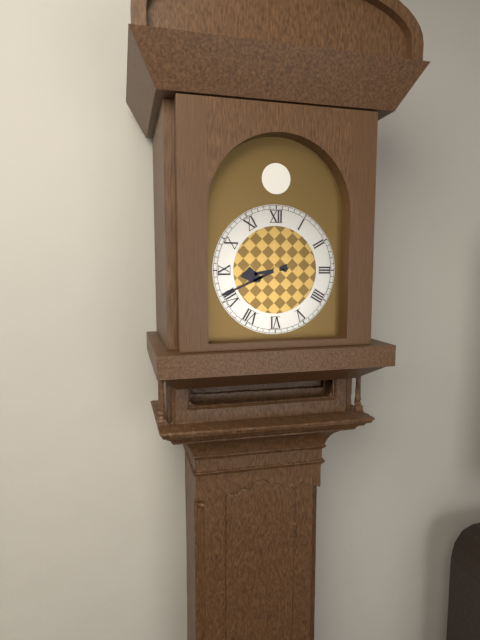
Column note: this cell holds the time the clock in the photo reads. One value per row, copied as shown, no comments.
8:41
